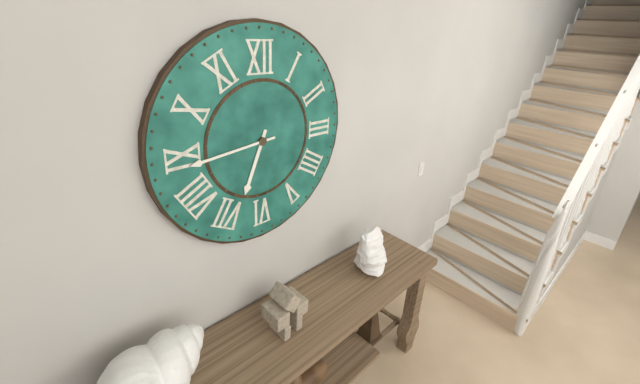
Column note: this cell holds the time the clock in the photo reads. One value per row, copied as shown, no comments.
6:44
